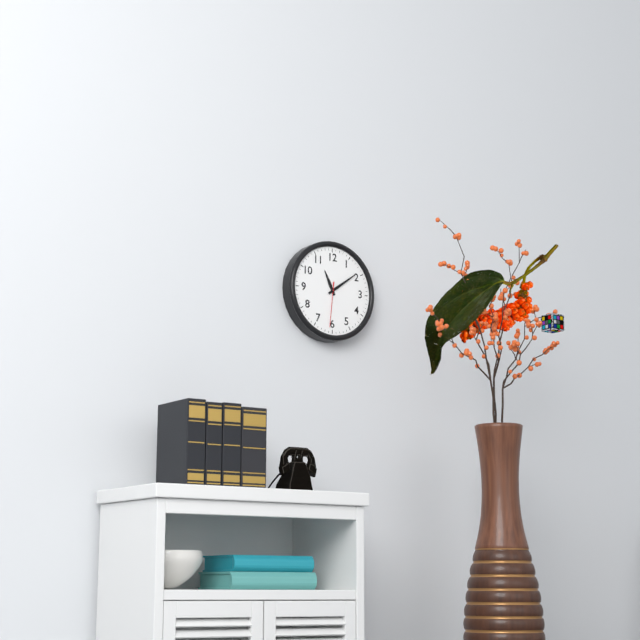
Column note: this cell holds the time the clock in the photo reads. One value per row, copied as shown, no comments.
11:09
